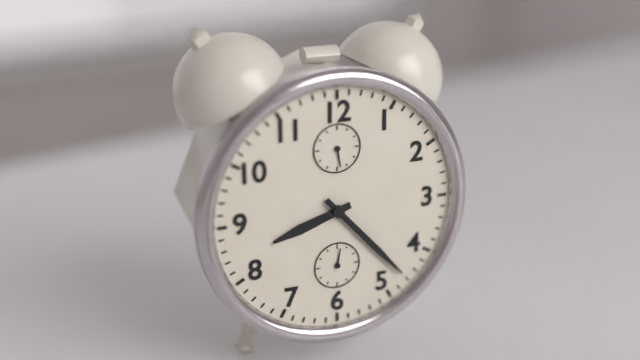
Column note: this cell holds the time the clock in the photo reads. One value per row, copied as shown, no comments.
8:23
